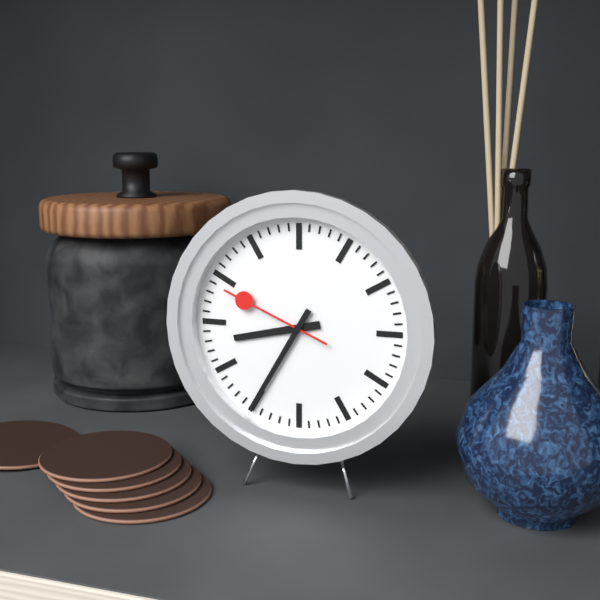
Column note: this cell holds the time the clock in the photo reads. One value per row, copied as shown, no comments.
8:35:49
